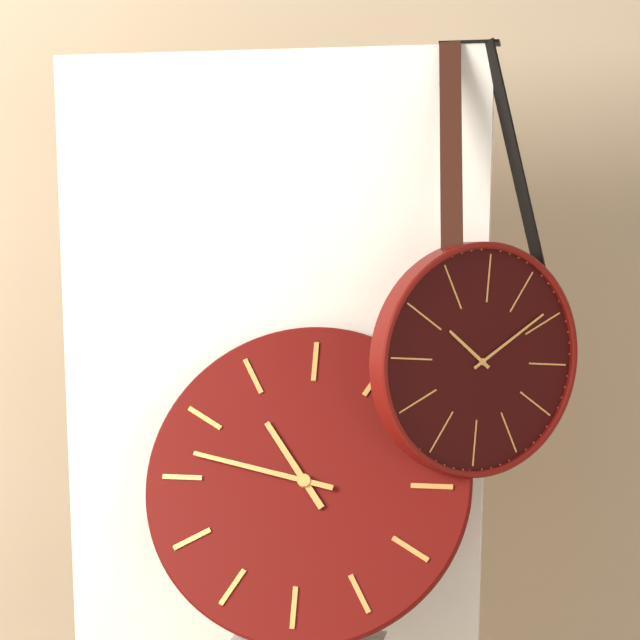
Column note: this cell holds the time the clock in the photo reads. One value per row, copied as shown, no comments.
10:47
